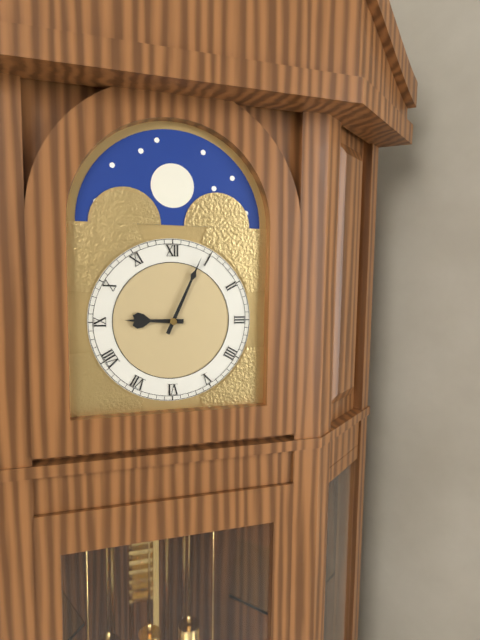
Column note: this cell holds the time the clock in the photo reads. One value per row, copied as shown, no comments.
9:04
